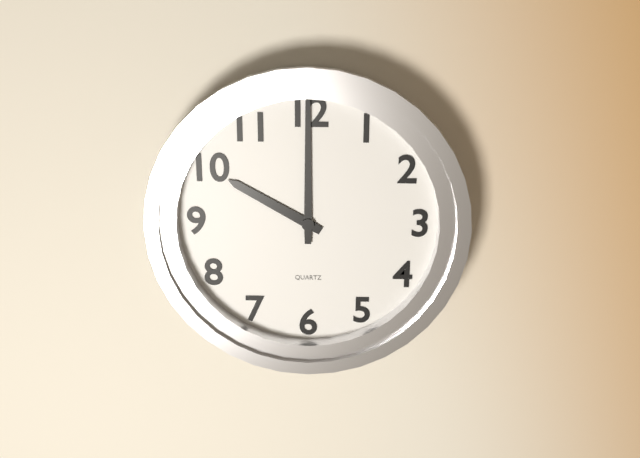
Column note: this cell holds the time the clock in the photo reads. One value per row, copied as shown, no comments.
10:00
